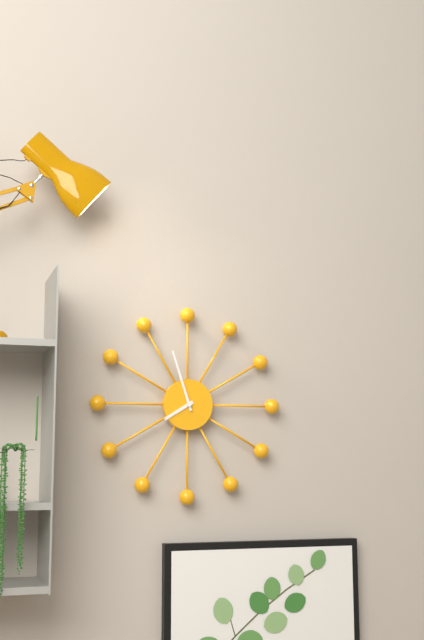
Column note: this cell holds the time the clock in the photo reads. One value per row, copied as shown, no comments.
7:57
